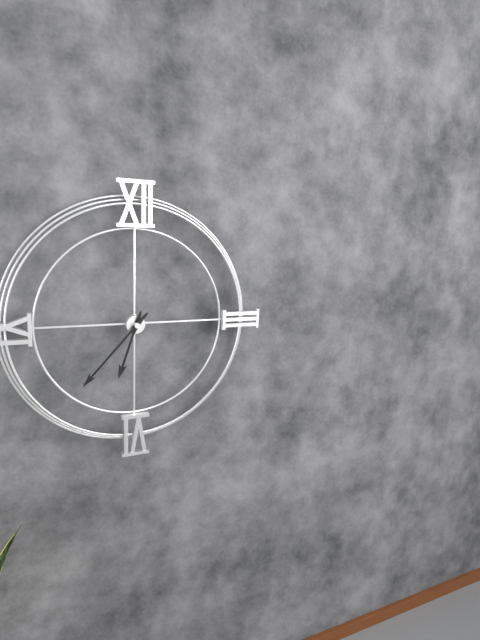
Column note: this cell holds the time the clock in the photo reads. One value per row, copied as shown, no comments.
6:37
